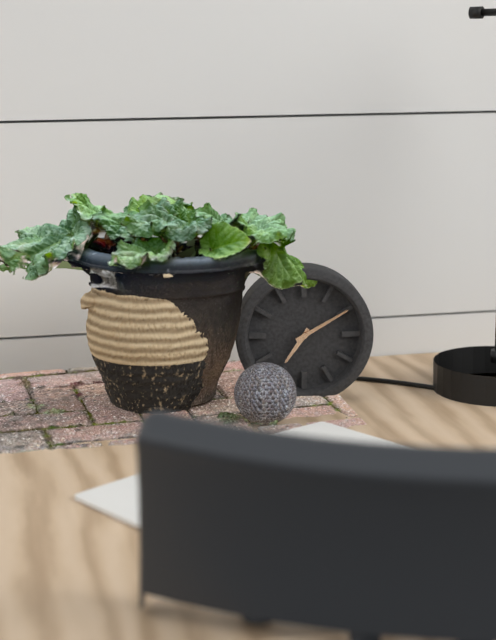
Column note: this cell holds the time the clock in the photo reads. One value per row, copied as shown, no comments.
7:10
